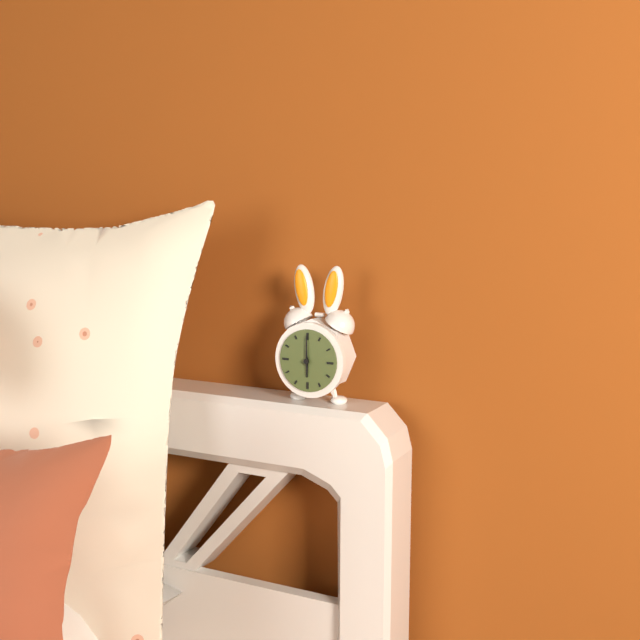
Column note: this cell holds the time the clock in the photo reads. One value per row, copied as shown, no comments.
6:00
